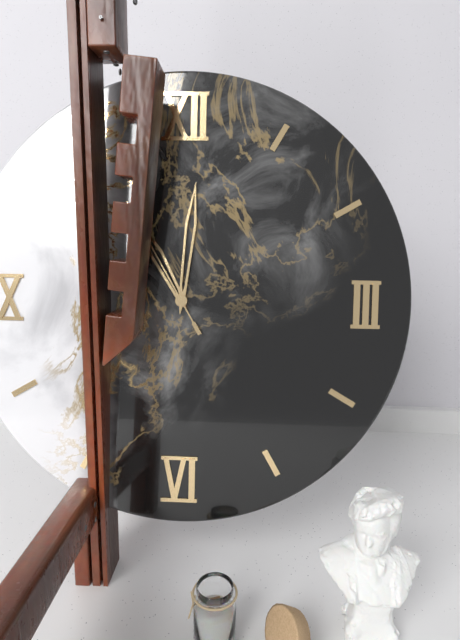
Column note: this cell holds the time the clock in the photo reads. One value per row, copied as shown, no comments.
11:01:55
